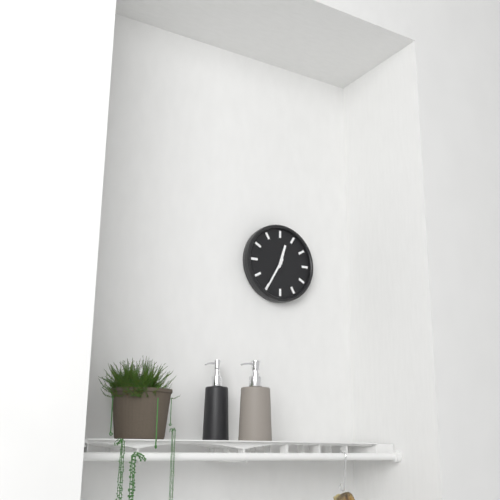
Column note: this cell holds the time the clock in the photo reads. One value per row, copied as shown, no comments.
12:35
